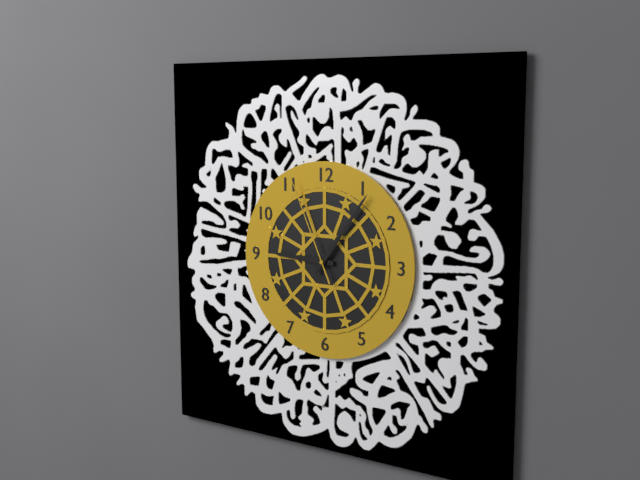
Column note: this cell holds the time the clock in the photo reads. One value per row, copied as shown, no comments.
9:06:56
